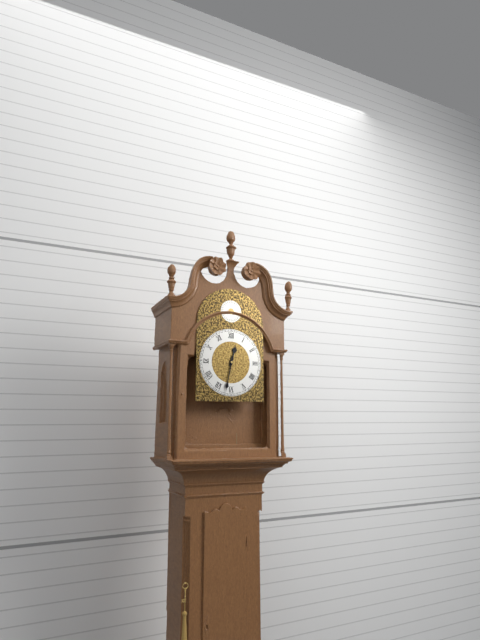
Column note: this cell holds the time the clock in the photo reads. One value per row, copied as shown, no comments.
12:32
